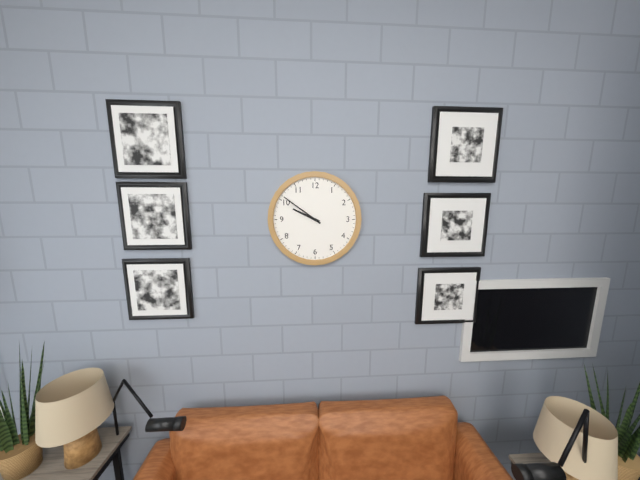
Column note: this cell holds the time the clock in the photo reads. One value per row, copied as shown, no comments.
9:51
